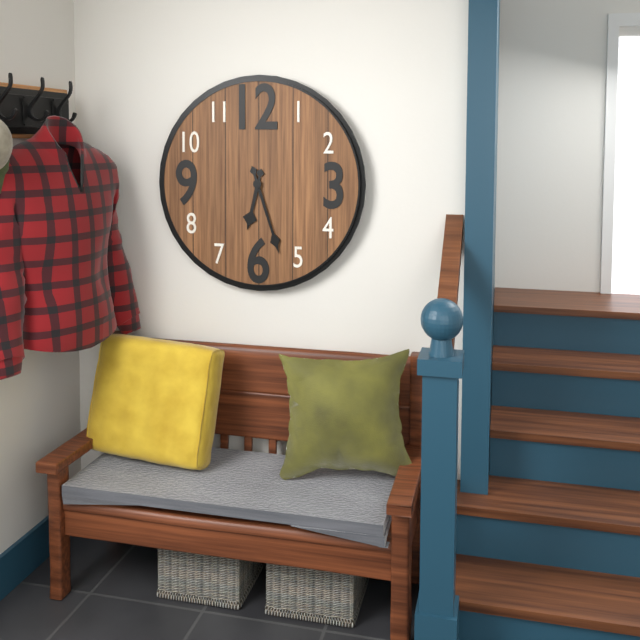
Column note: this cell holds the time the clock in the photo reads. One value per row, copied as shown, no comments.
6:27
